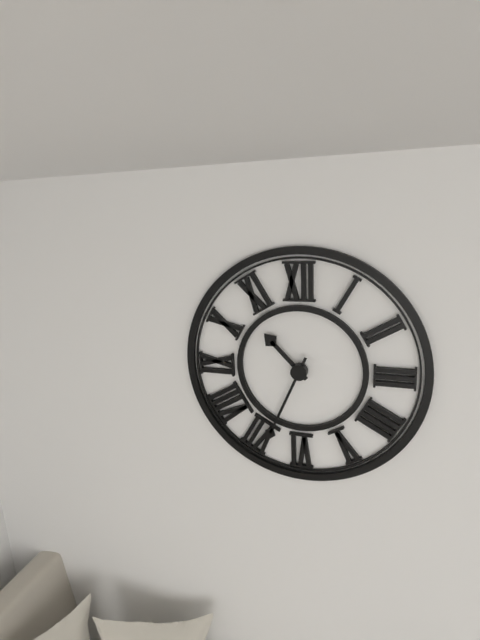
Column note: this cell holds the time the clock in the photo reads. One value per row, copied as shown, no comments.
10:34
